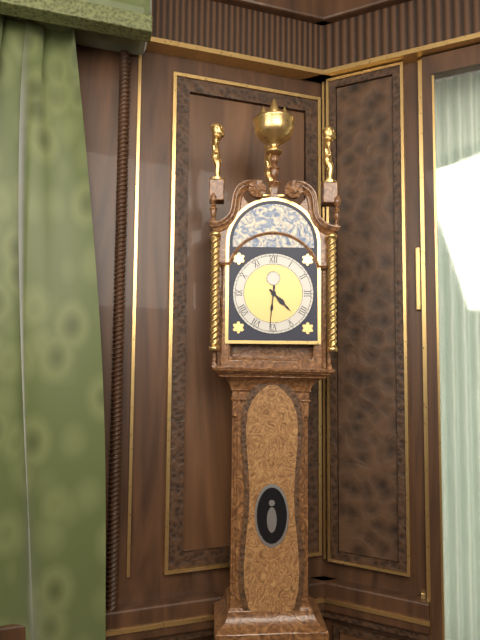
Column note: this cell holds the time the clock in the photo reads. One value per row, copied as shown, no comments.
4:31
